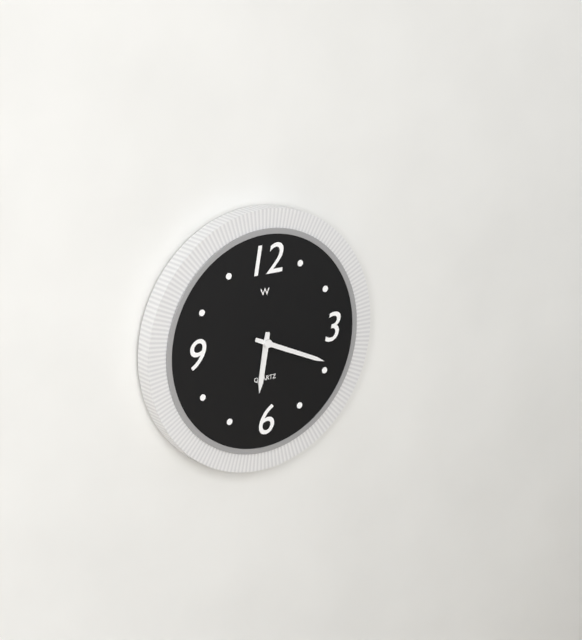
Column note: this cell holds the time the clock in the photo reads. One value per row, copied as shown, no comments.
6:19
